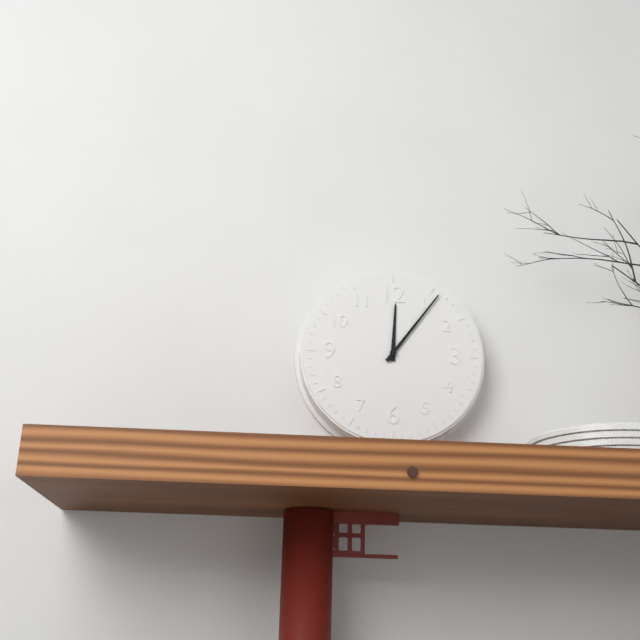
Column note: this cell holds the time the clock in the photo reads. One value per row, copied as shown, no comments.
12:06
